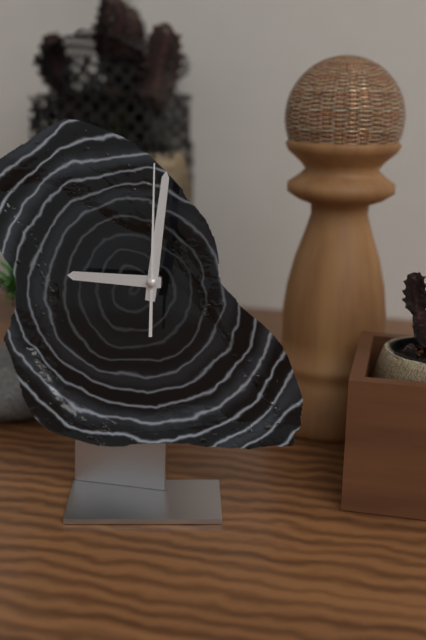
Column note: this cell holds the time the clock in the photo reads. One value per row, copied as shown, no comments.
9:01:00
